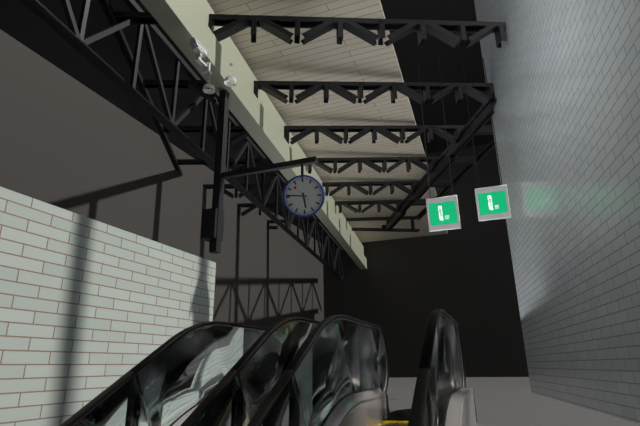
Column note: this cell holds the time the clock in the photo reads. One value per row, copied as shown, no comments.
5:46
